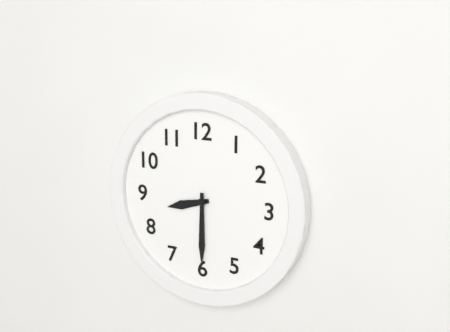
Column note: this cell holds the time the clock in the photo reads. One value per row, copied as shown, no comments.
8:30
